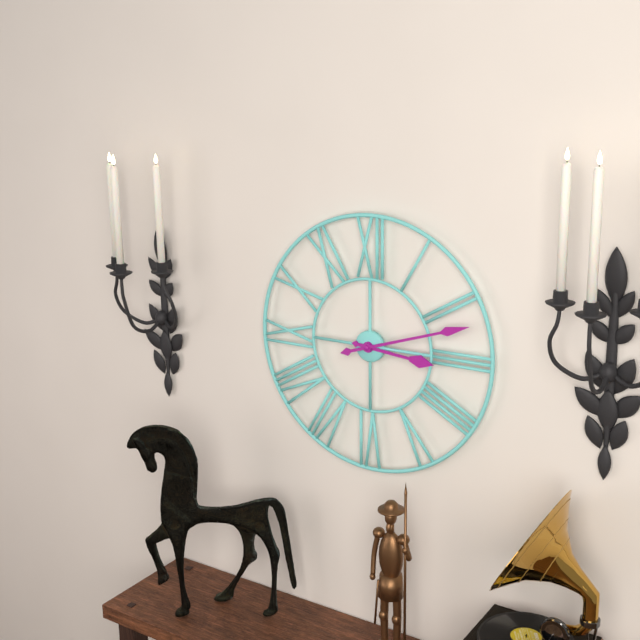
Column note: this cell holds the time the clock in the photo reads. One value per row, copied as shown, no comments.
3:12
